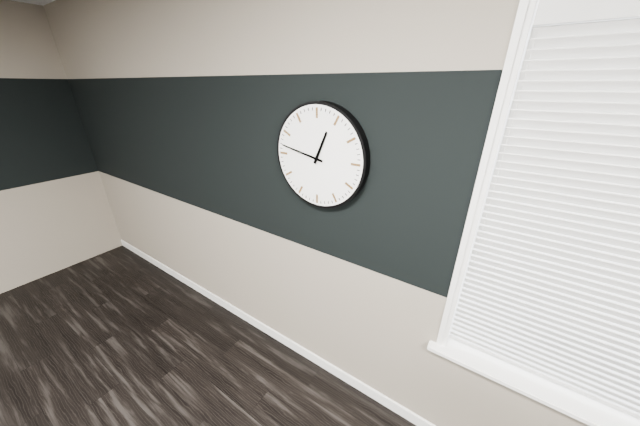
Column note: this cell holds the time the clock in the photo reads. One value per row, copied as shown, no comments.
12:47
